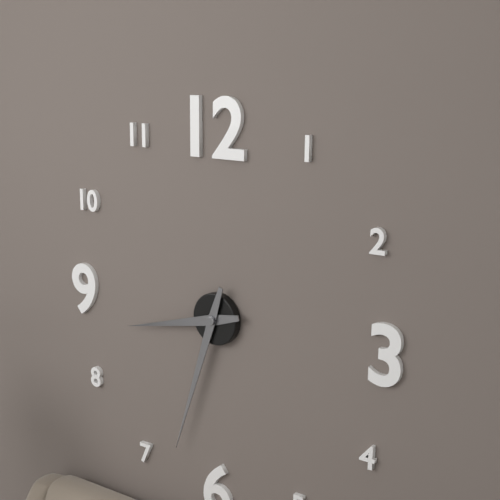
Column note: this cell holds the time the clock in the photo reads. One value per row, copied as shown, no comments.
8:33
